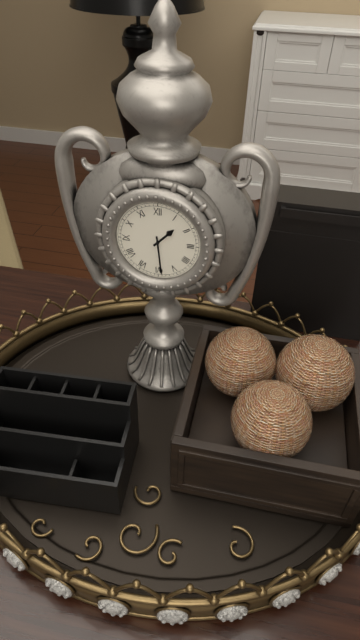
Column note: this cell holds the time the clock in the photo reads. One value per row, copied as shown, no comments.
1:29
